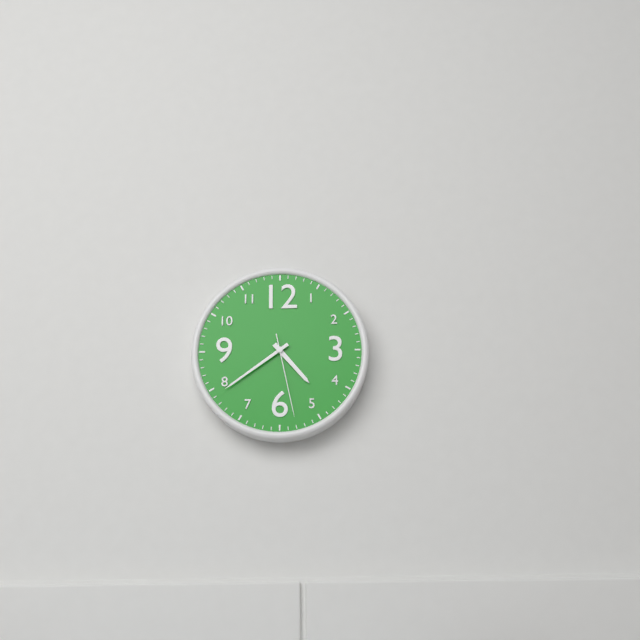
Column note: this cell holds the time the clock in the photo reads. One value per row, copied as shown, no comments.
4:39:28
